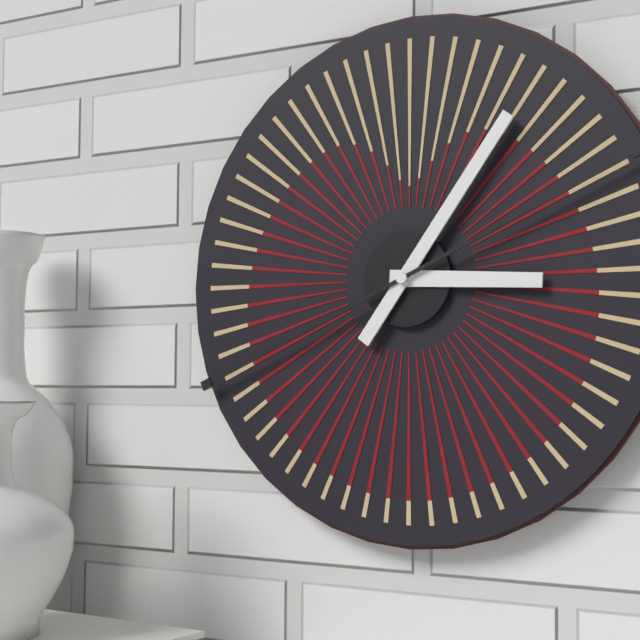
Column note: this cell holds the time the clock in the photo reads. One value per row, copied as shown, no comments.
3:06
